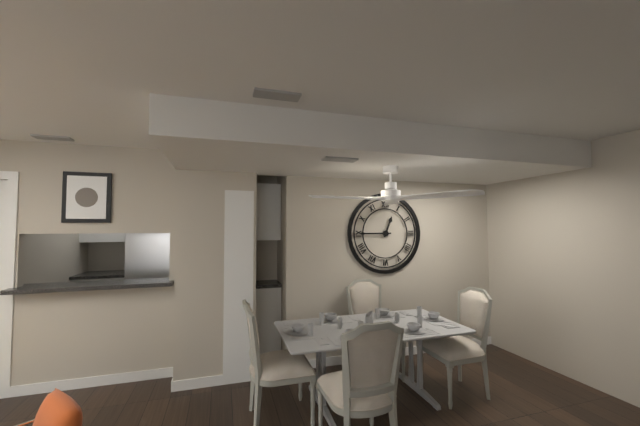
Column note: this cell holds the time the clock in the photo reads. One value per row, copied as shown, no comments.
12:45
